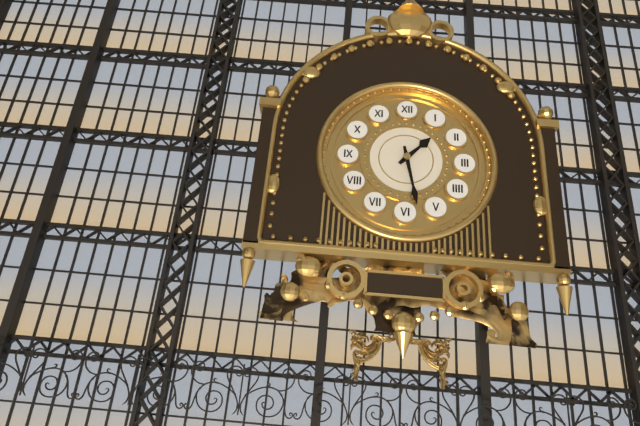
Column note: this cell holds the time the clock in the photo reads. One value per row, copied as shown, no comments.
1:28
